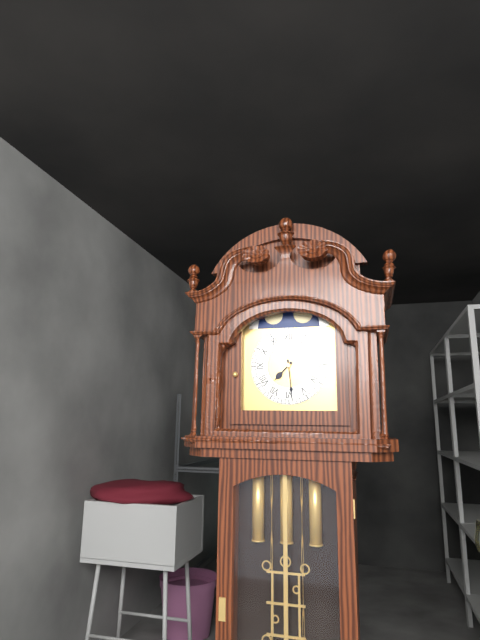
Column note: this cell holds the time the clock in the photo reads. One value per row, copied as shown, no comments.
7:29
